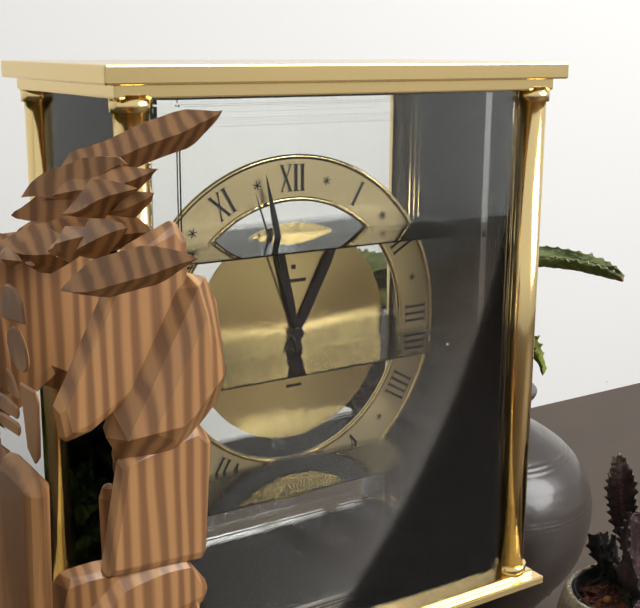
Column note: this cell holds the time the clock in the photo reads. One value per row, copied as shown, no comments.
12:58:57
